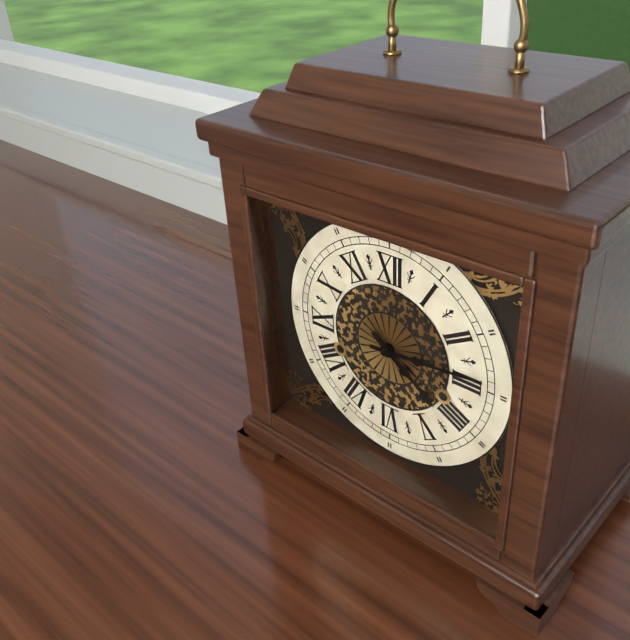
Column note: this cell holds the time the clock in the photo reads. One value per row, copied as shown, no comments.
4:14
